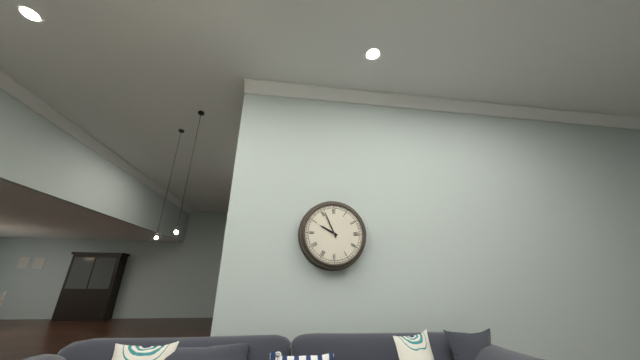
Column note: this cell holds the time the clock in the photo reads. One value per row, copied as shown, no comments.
9:56
